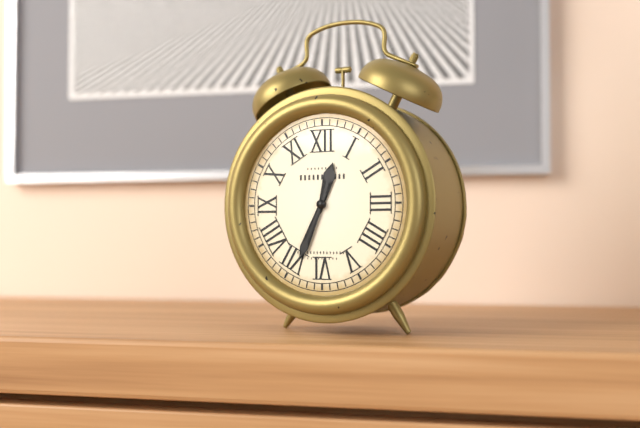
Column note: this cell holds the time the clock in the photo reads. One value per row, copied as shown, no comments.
12:34
